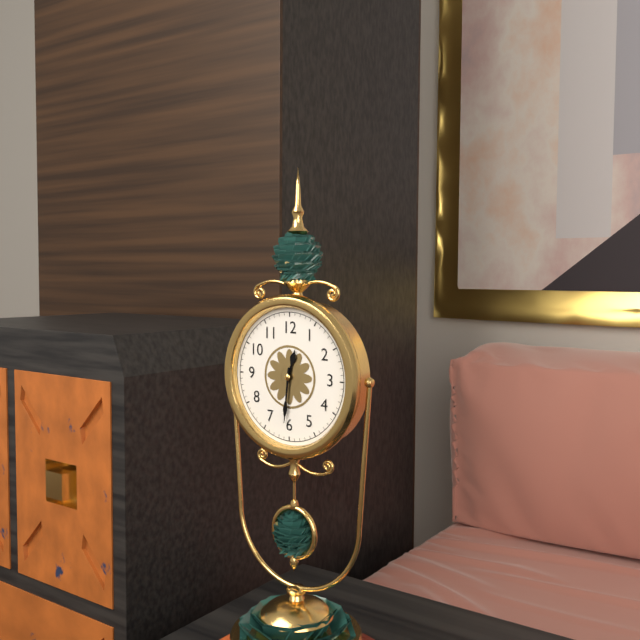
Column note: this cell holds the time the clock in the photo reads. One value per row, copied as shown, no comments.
12:31
